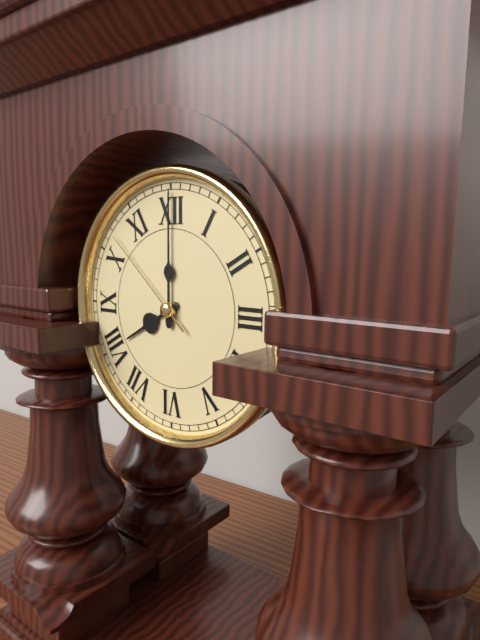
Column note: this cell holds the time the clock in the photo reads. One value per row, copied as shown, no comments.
8:00:52
